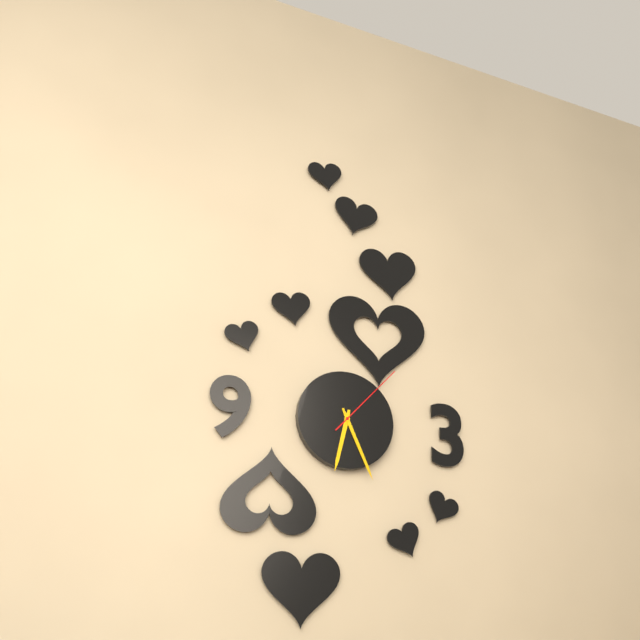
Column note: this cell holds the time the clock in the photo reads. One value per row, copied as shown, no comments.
6:26:07
